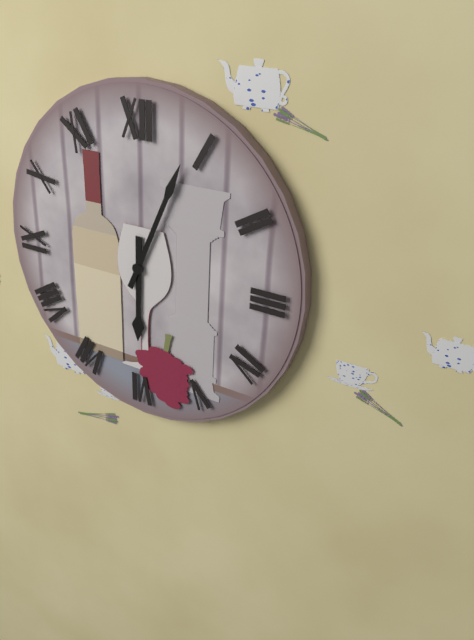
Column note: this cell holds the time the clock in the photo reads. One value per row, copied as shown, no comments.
6:04
